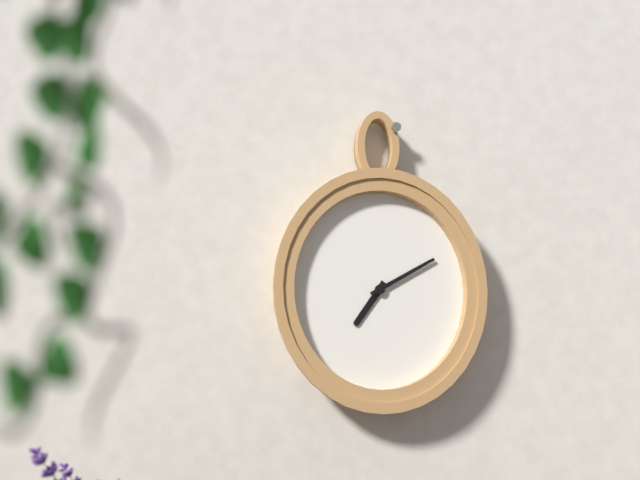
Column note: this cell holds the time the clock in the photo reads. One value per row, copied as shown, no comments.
7:10
